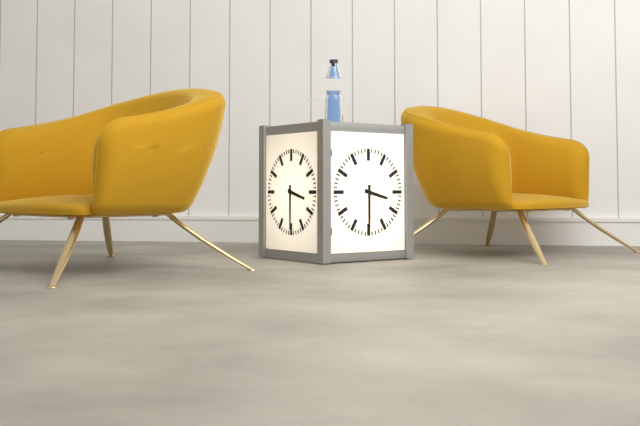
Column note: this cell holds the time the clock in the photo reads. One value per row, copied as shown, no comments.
3:30
